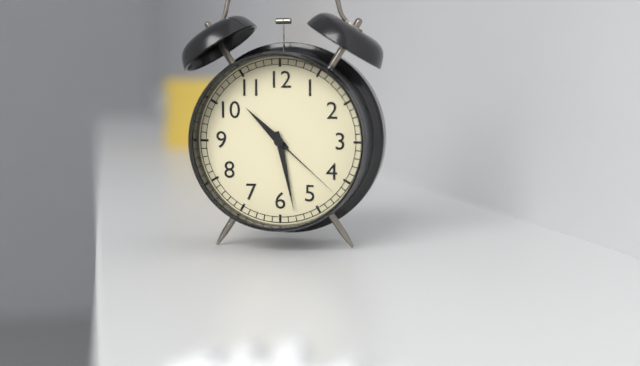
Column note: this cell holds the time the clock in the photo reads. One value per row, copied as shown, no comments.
10:28:22
